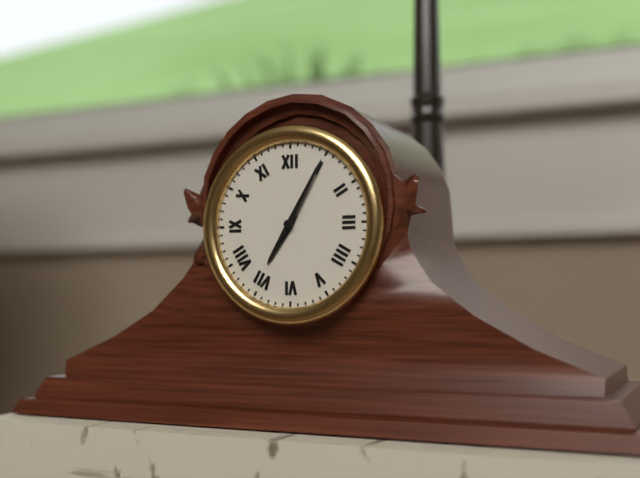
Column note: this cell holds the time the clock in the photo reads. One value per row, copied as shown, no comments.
7:05
